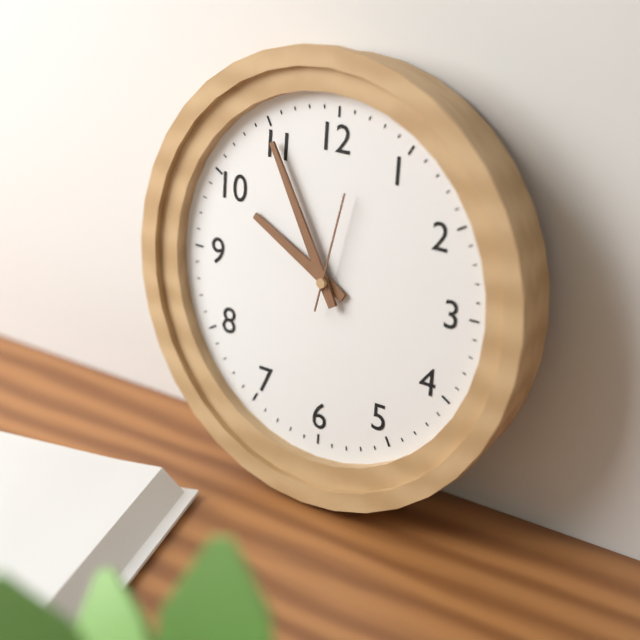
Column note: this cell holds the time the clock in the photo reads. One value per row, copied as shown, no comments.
9:55:02
